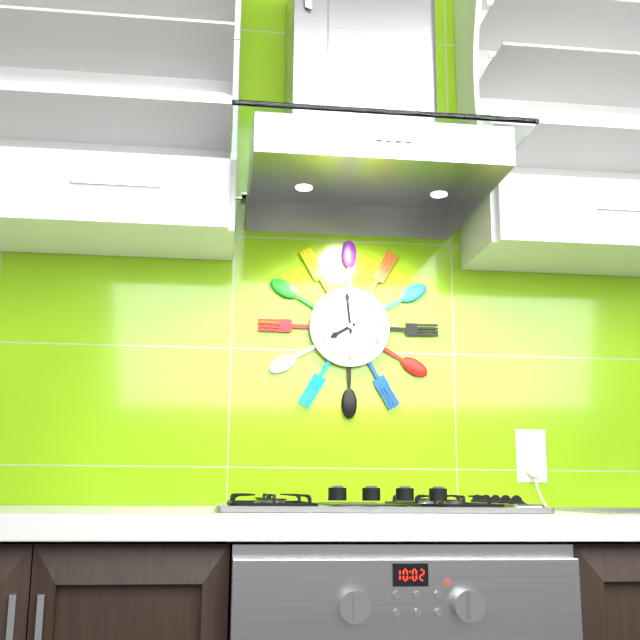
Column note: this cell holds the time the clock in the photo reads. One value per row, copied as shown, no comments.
7:59
